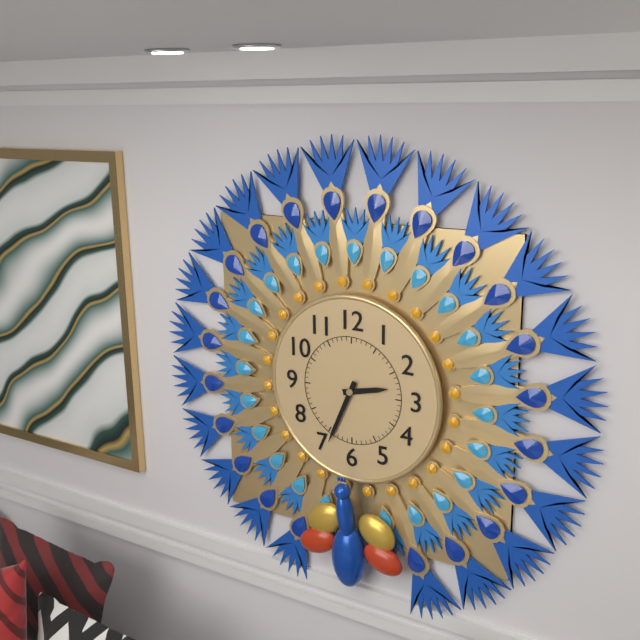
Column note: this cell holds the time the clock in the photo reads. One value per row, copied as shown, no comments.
2:34
